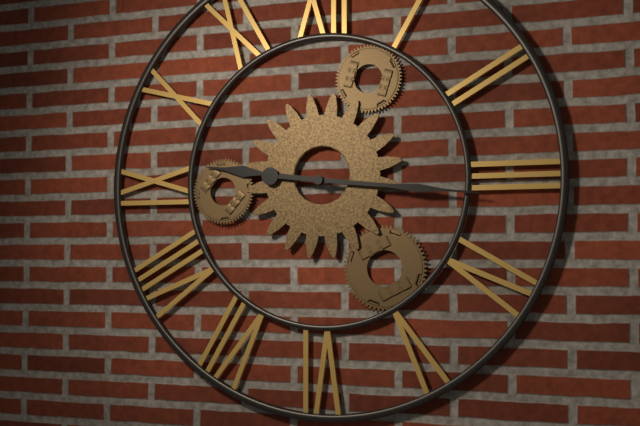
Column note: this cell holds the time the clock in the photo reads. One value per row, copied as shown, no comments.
9:16
